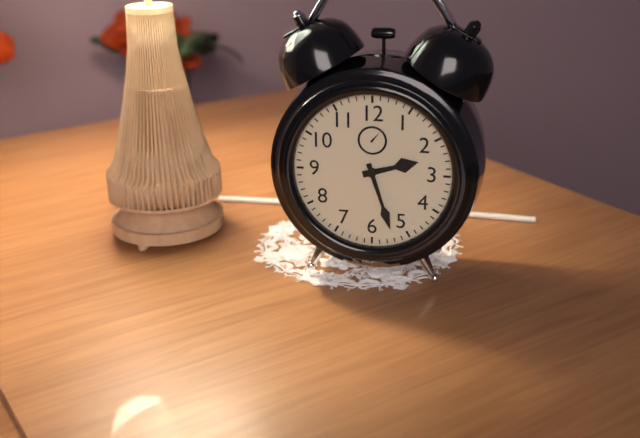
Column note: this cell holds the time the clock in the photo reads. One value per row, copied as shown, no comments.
2:27
